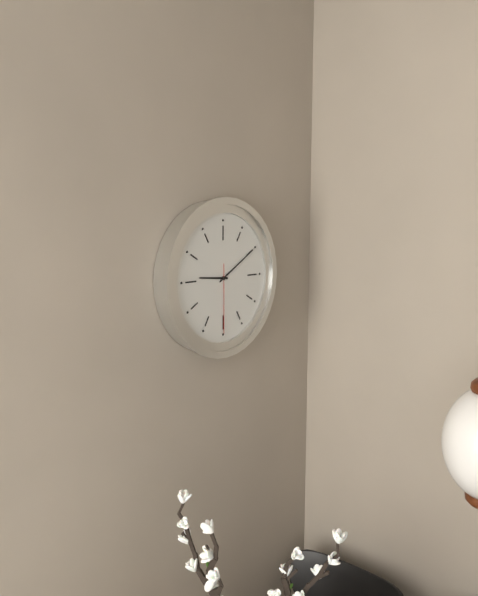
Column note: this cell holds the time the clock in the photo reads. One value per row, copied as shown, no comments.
9:10:30
